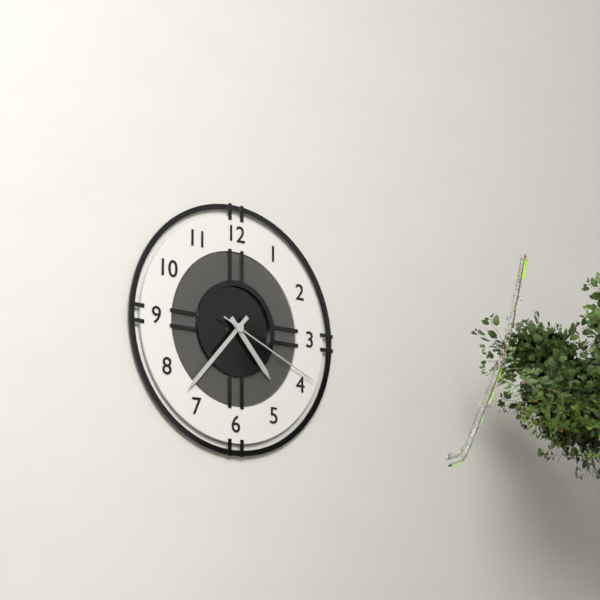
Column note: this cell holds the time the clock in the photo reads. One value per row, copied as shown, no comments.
4:37:19
